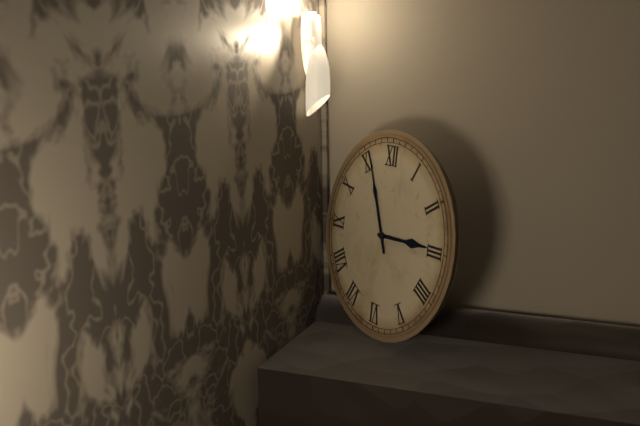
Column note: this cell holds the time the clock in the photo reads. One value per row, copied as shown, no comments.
2:56
